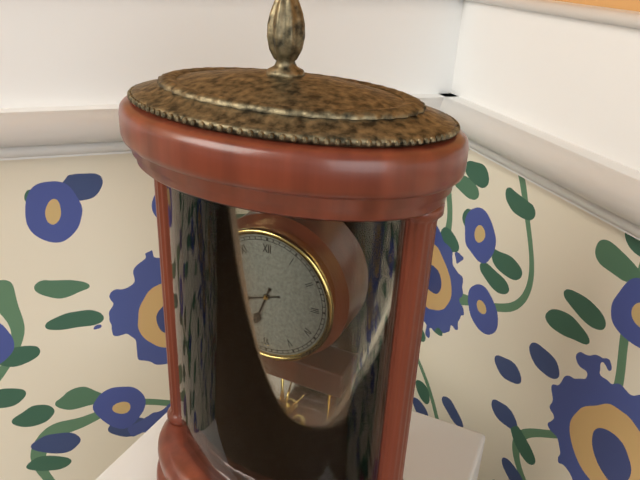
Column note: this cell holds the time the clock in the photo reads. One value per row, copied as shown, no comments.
6:42
